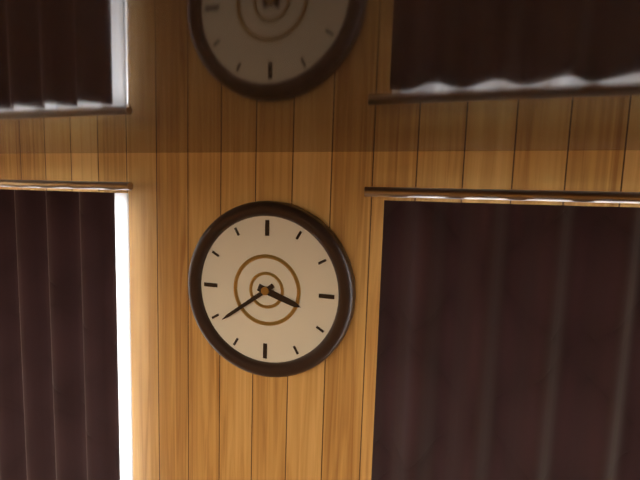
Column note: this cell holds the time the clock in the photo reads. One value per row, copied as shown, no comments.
3:39
